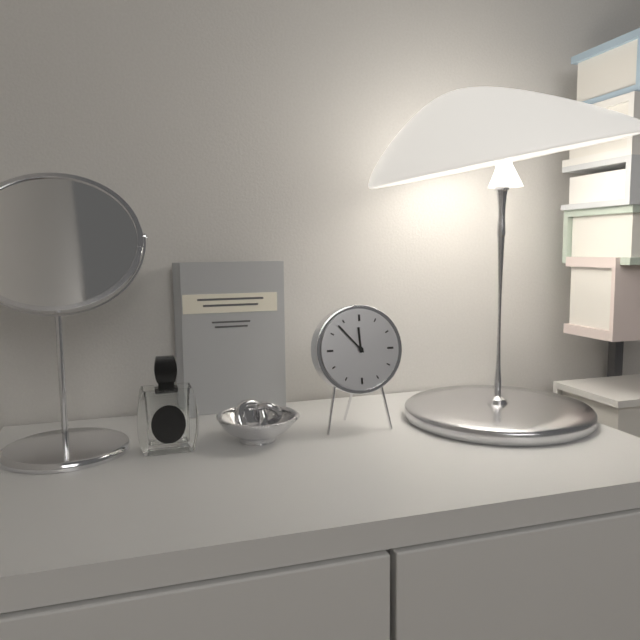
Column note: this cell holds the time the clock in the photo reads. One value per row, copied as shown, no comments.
11:53
